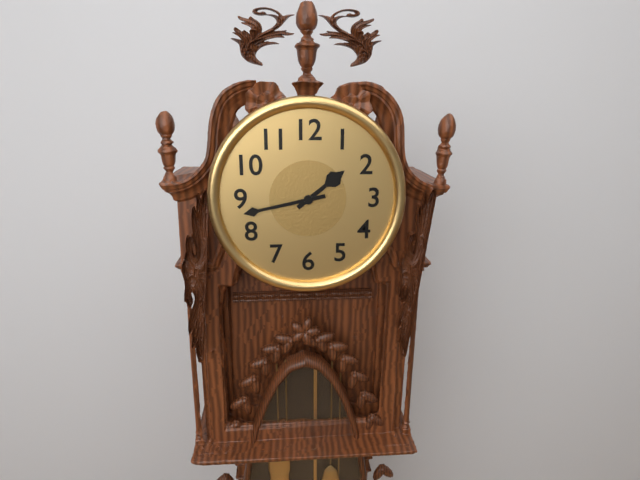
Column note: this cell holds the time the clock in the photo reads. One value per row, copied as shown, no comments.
1:43
